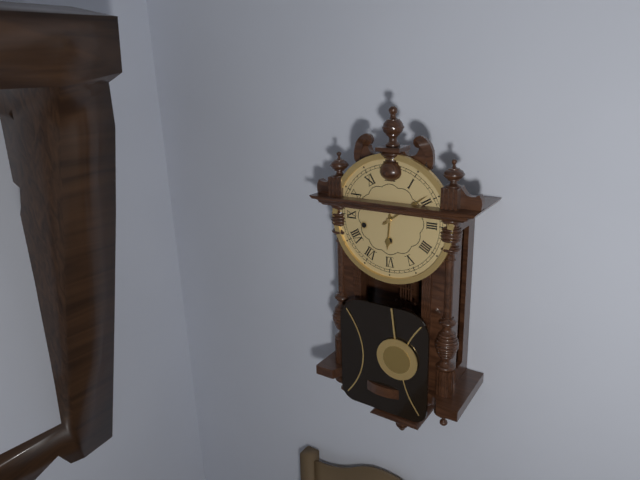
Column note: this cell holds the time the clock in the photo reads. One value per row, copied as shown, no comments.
6:09
